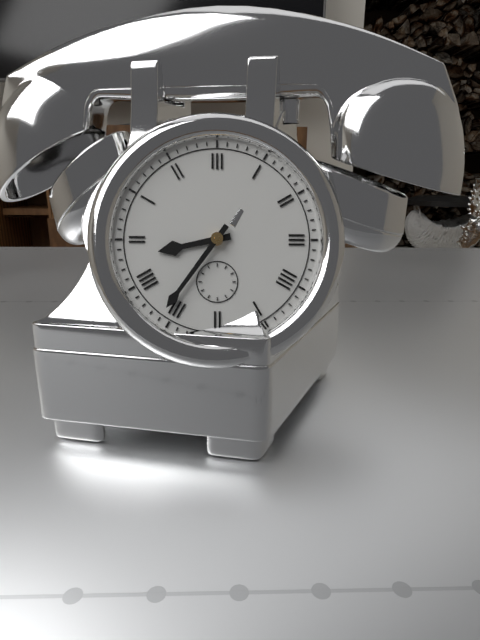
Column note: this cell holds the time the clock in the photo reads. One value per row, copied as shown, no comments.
8:36
